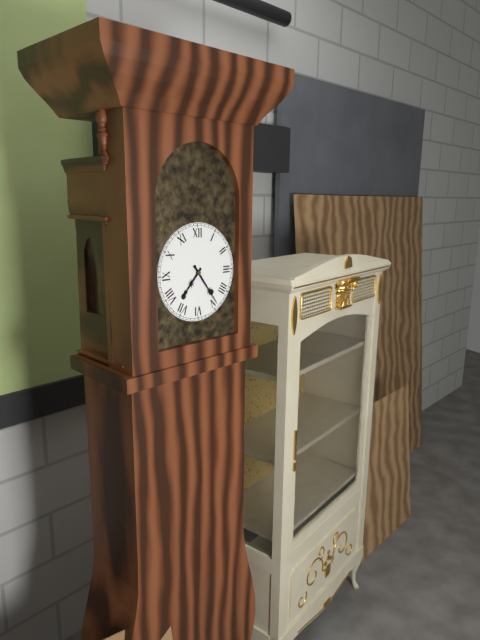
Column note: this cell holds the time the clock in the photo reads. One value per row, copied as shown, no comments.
7:24
